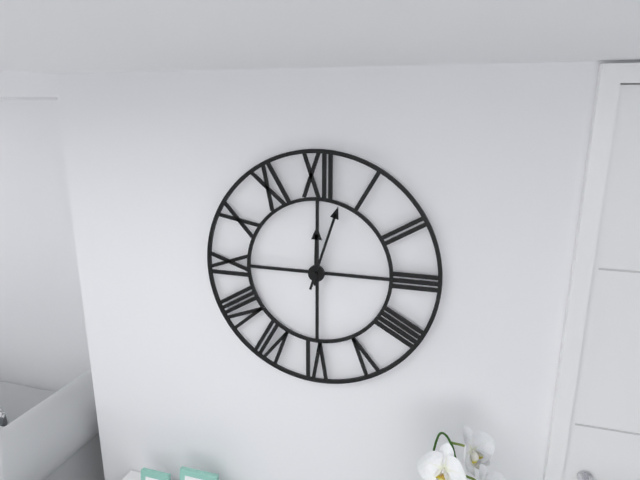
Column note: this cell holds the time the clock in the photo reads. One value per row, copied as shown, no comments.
12:03
